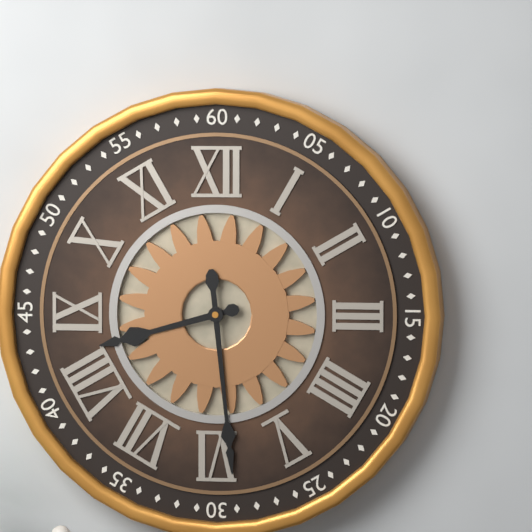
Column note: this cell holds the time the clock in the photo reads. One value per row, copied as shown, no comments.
8:29
